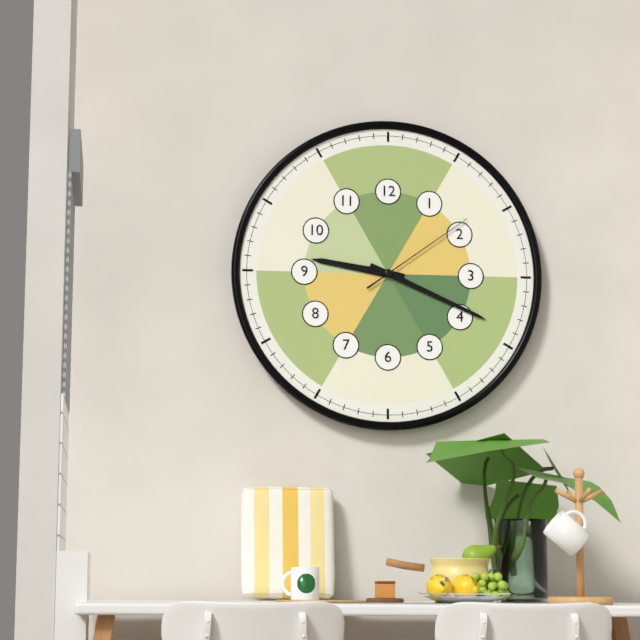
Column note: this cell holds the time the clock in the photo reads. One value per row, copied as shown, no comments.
9:19:09
